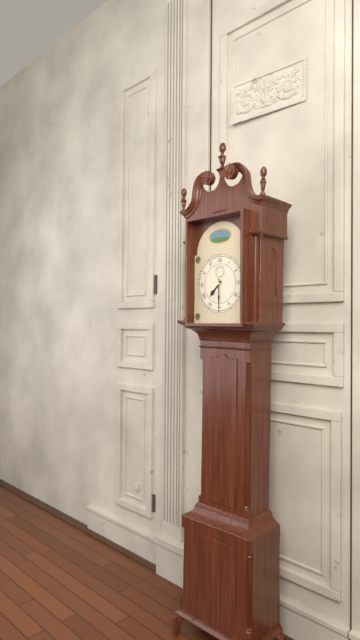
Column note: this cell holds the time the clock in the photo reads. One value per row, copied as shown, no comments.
7:30
